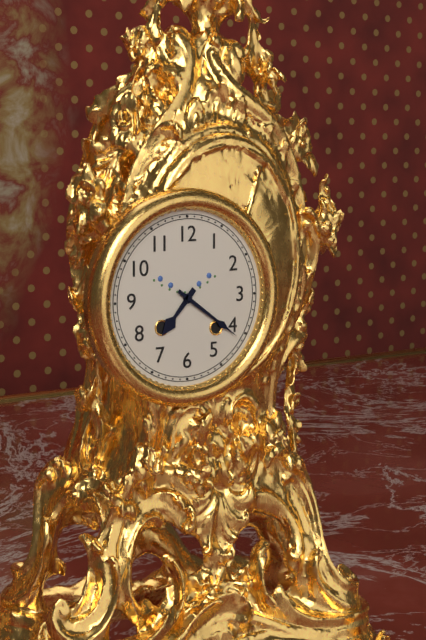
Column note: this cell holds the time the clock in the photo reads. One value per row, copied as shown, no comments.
7:21
